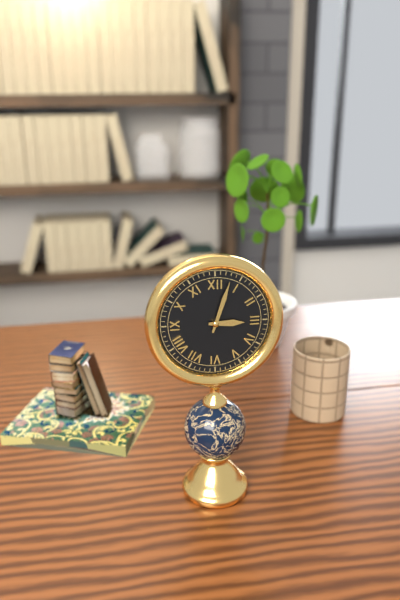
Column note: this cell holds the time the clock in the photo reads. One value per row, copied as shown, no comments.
3:03
